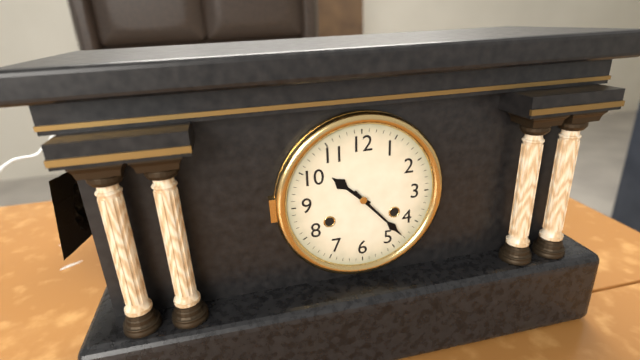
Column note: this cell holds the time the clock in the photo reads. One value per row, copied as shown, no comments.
10:23
